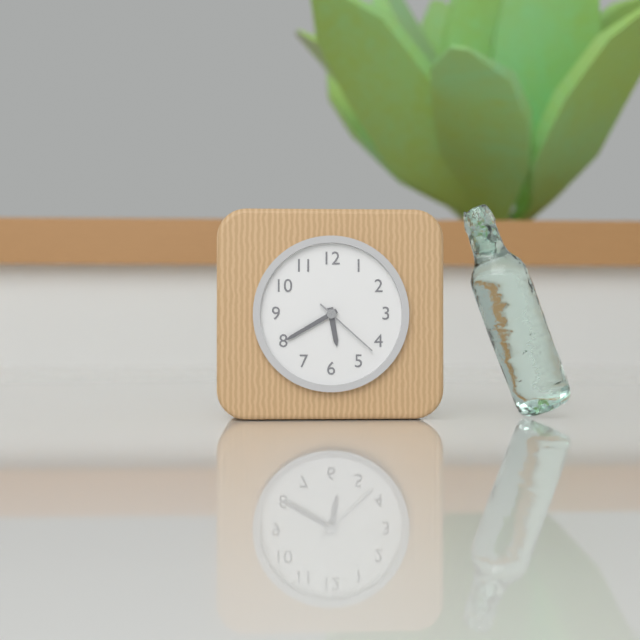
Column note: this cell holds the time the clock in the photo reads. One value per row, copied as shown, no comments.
5:40:22
